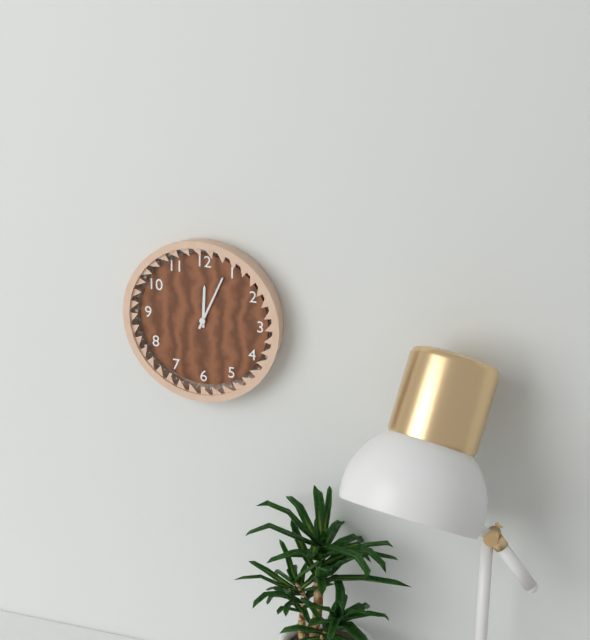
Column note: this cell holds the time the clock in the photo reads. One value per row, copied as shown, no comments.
12:04
